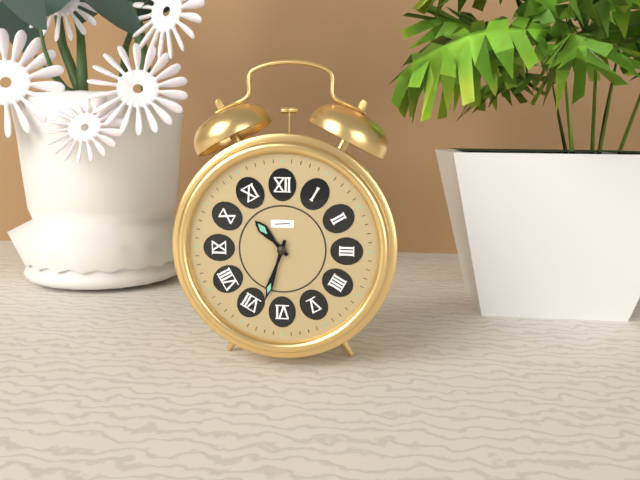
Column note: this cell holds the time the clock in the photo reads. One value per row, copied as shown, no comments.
10:33
